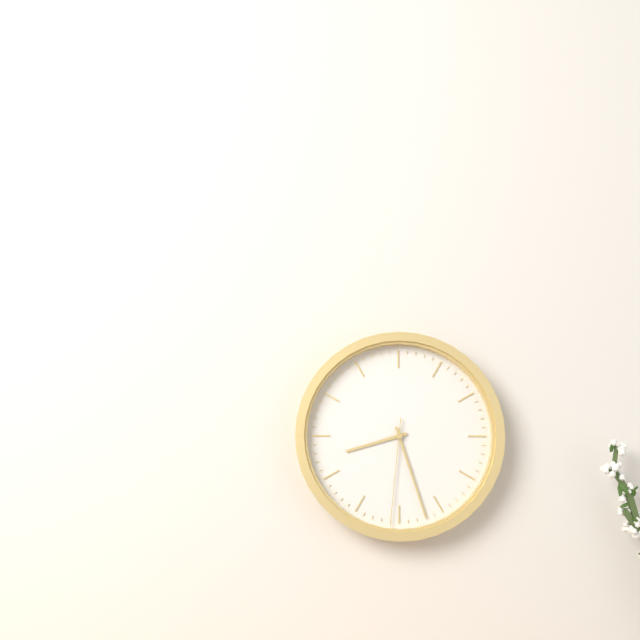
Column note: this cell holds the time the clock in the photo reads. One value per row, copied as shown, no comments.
8:27:31
